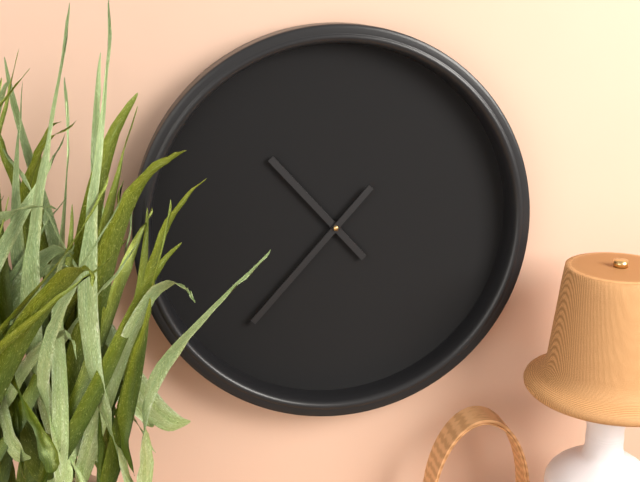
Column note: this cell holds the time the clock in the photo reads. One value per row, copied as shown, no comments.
10:37
